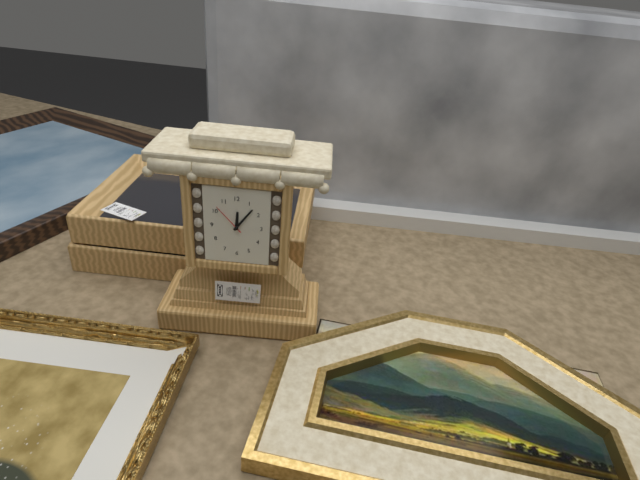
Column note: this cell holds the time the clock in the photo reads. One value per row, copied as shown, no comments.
12:06
